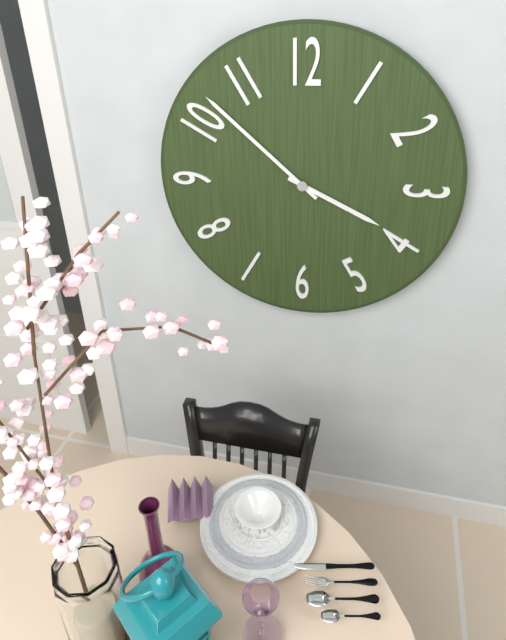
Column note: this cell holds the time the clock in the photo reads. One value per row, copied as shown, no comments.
3:52
